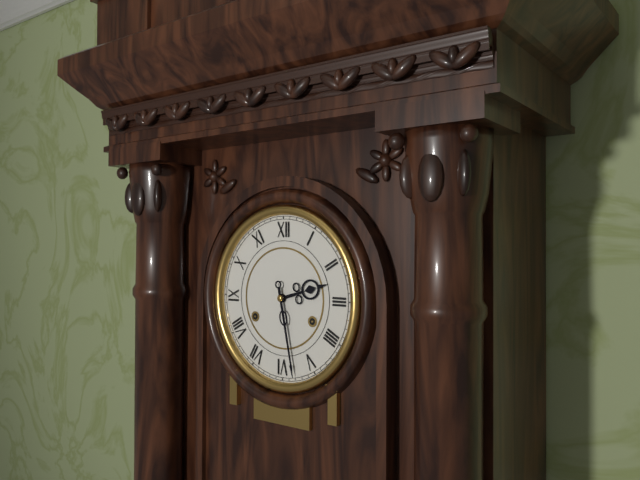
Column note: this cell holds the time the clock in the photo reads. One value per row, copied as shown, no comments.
2:28
